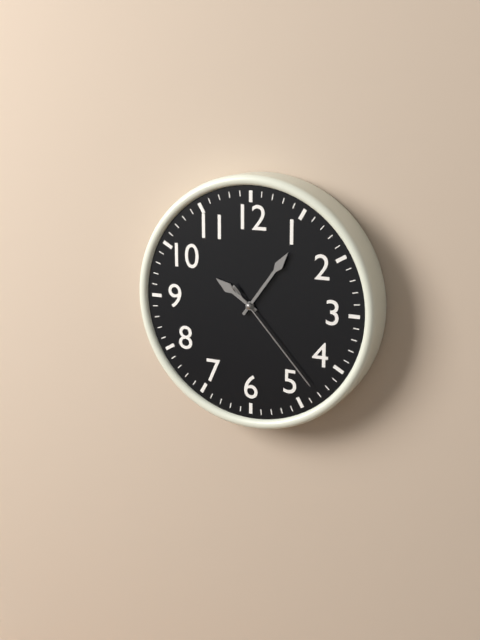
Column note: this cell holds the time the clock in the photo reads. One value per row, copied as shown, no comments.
10:06:23
